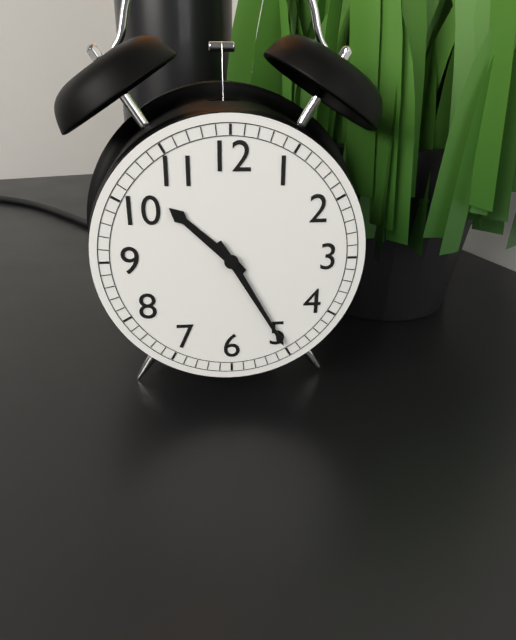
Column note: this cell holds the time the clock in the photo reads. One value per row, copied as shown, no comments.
10:25
